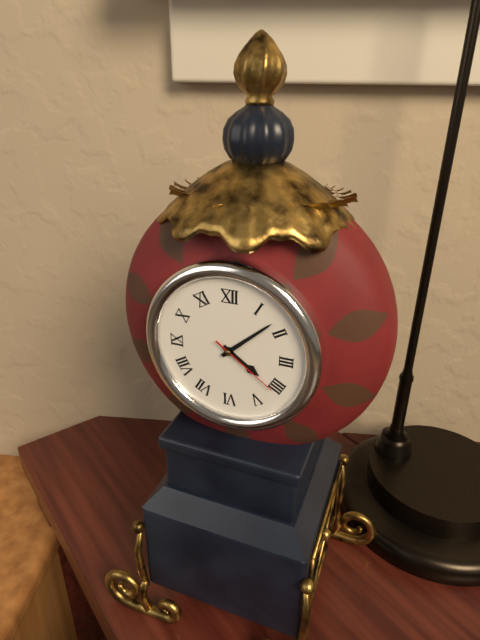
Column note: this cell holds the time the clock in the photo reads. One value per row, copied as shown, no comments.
4:08:21
